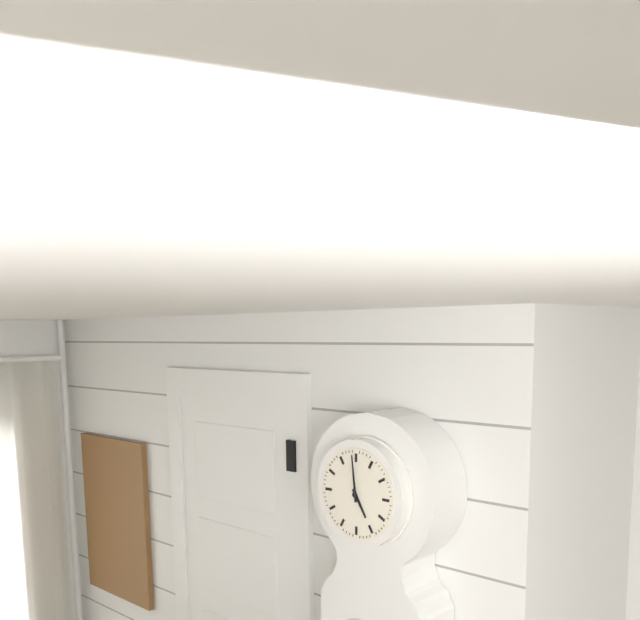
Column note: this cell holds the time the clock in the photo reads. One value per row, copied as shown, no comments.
4:59
